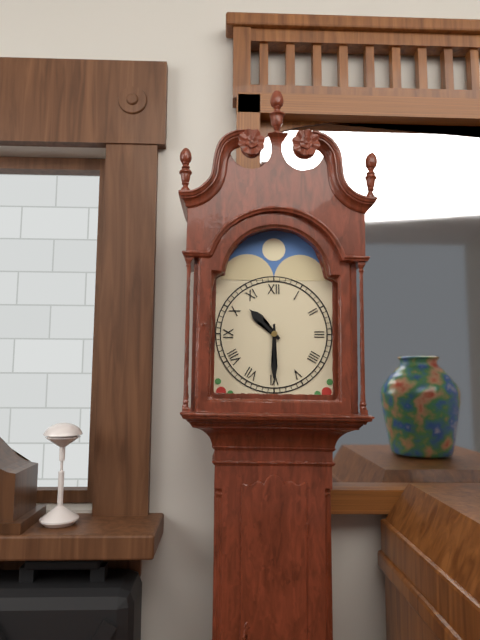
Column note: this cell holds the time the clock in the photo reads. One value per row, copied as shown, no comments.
10:30
